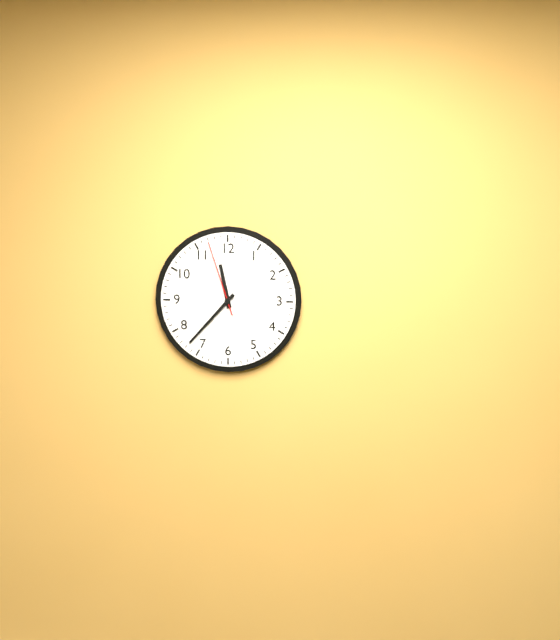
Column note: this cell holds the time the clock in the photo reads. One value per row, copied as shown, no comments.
11:37:57
